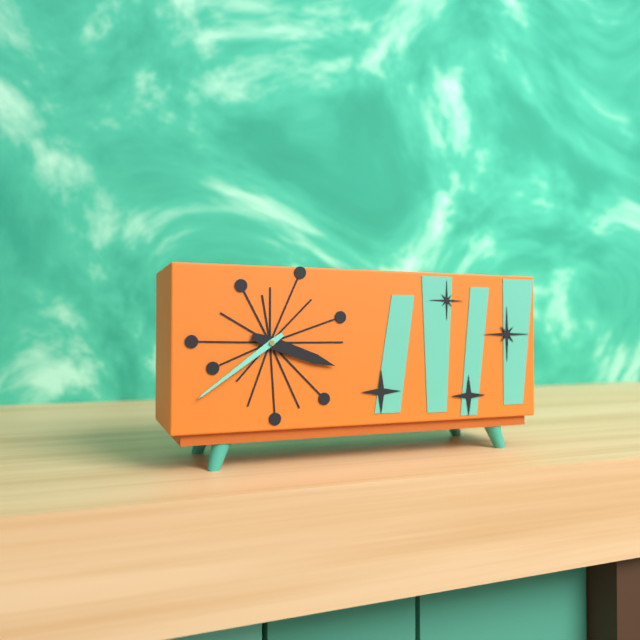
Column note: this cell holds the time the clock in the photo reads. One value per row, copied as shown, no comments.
3:39
